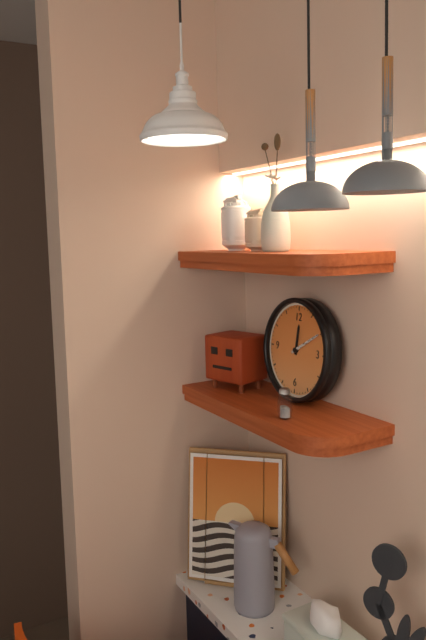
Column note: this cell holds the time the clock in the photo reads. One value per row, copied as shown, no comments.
12:10
